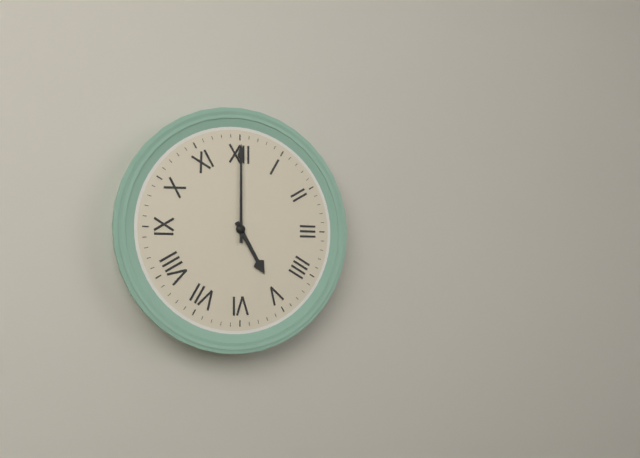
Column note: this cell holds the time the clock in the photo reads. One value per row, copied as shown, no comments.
5:00
